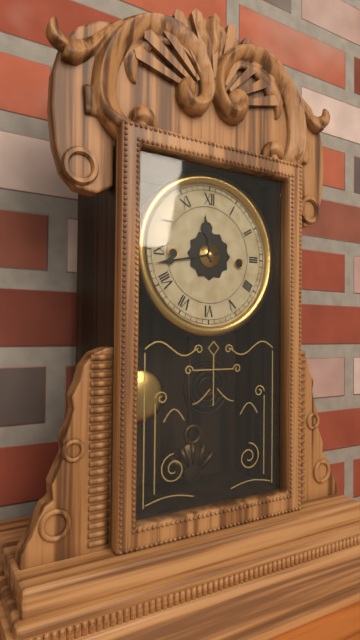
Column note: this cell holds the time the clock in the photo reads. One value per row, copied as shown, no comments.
11:43
